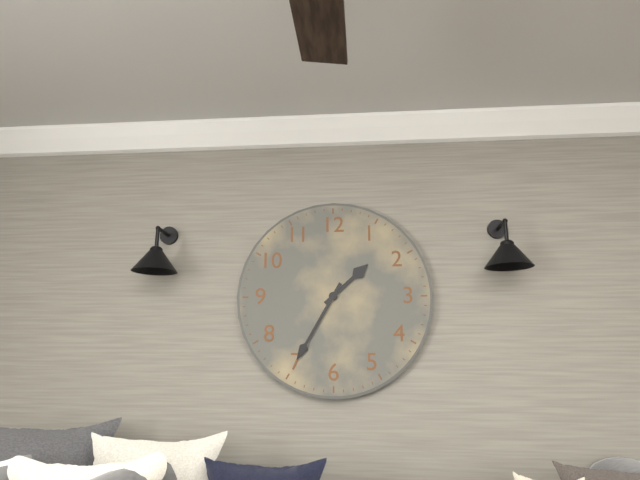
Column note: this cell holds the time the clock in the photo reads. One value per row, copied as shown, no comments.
1:35
